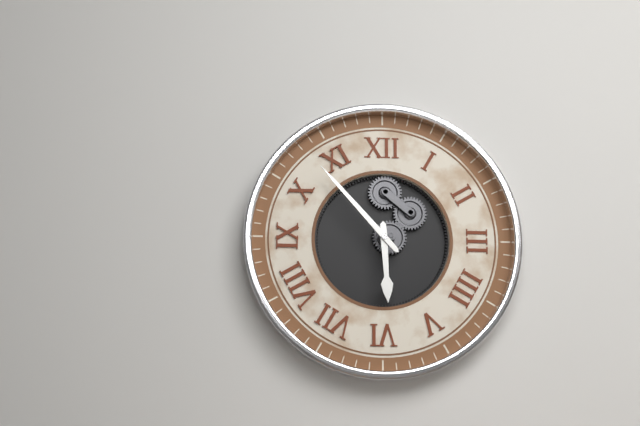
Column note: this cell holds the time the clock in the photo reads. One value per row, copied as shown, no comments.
5:53
